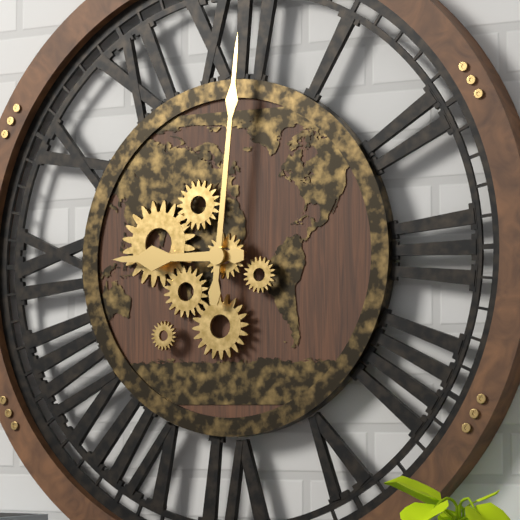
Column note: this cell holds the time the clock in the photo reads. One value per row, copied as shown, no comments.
9:01
